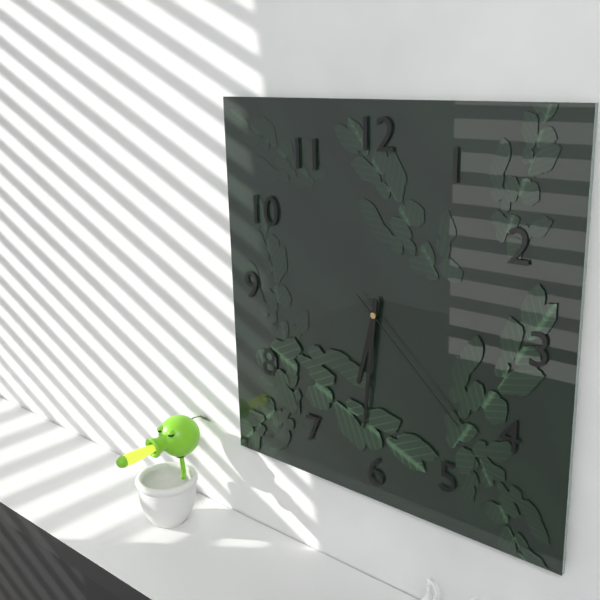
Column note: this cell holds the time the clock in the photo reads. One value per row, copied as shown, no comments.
6:31:22
